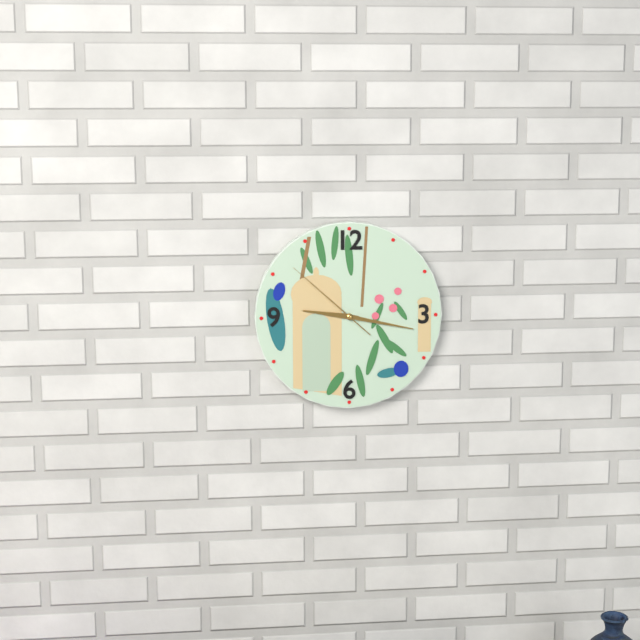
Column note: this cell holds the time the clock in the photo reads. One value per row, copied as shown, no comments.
9:17:52
